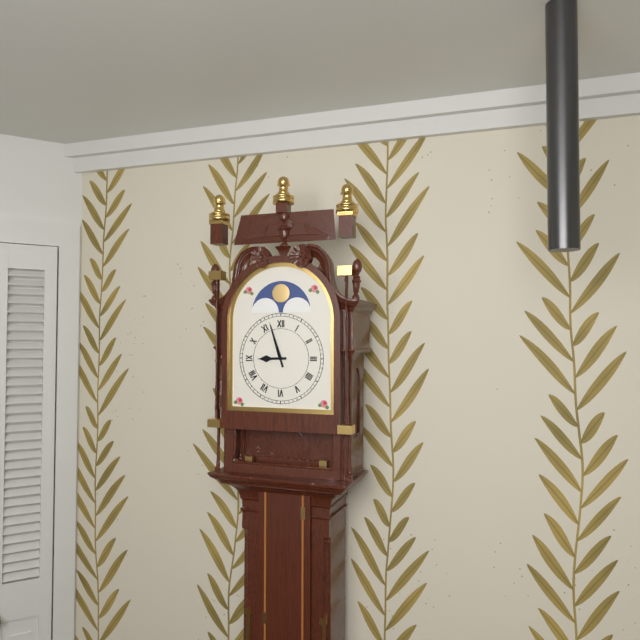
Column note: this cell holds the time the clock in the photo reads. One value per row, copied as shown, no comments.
8:57
